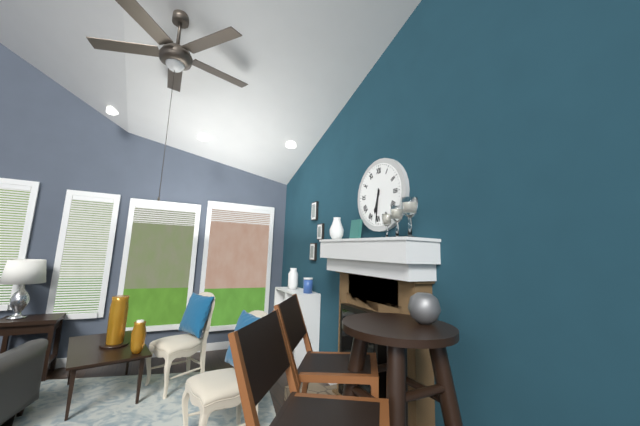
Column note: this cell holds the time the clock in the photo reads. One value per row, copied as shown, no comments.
6:31
